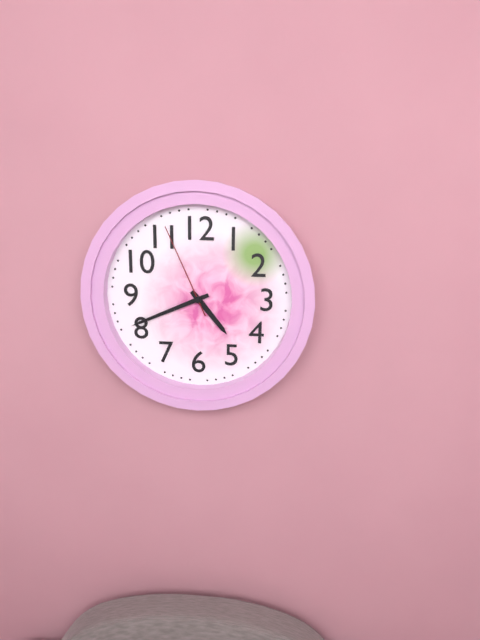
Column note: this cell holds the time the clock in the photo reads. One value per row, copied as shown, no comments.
4:41:56
